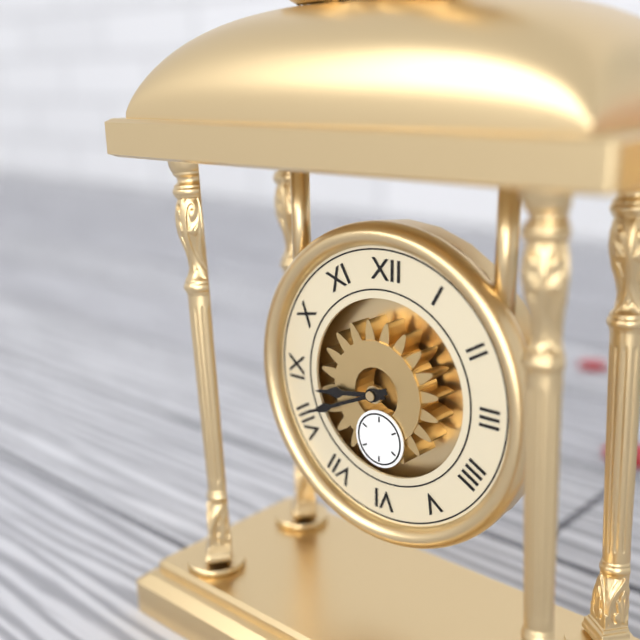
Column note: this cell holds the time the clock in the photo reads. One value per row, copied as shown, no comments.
8:41
